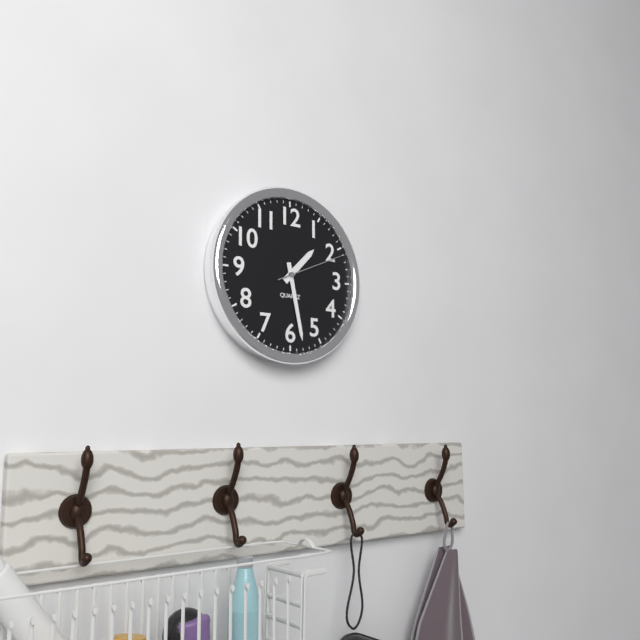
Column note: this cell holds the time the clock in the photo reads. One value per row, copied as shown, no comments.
1:28:11
